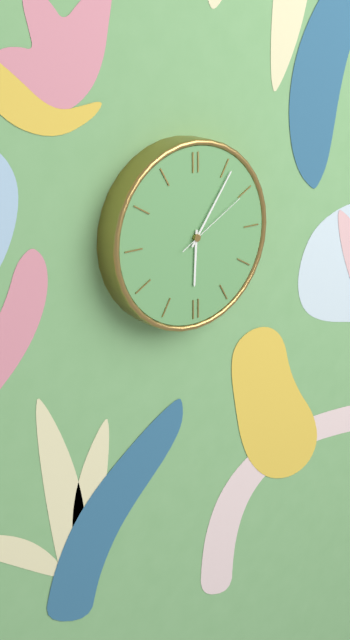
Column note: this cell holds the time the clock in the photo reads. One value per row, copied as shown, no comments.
6:06:10
